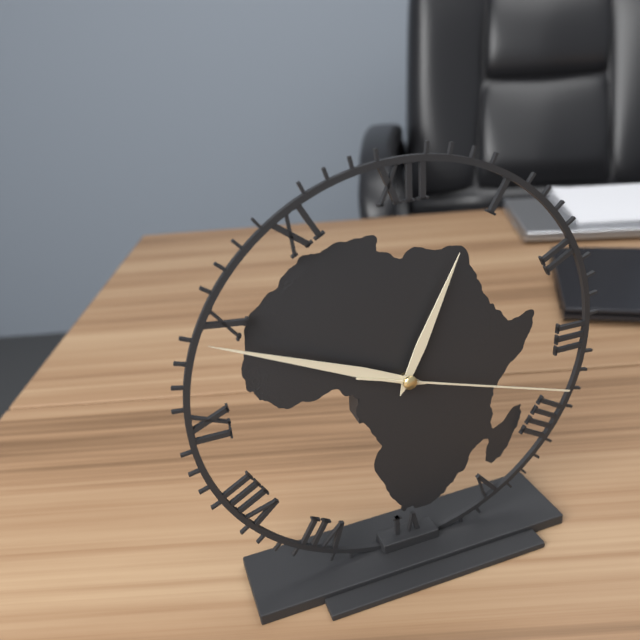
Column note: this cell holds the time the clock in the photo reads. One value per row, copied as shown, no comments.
12:49:18
